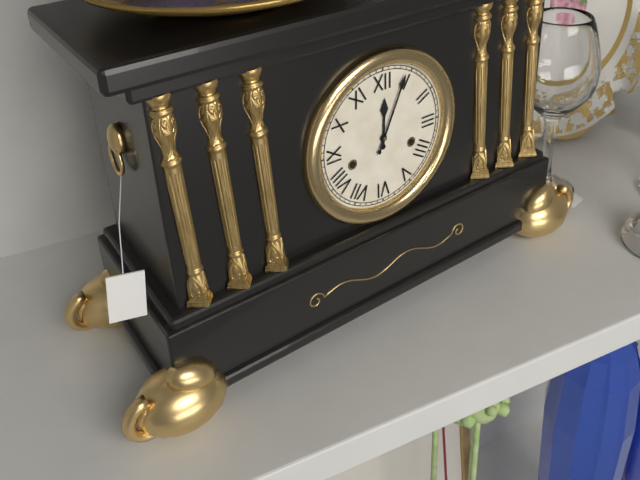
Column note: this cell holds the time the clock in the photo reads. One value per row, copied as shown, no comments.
12:04
